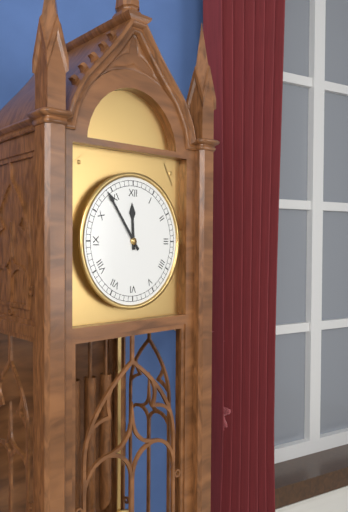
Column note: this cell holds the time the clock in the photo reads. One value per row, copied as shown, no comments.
11:54
